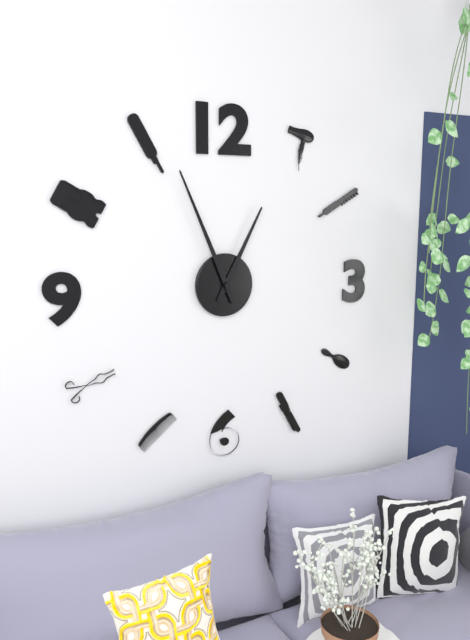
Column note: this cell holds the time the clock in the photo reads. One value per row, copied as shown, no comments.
12:56
